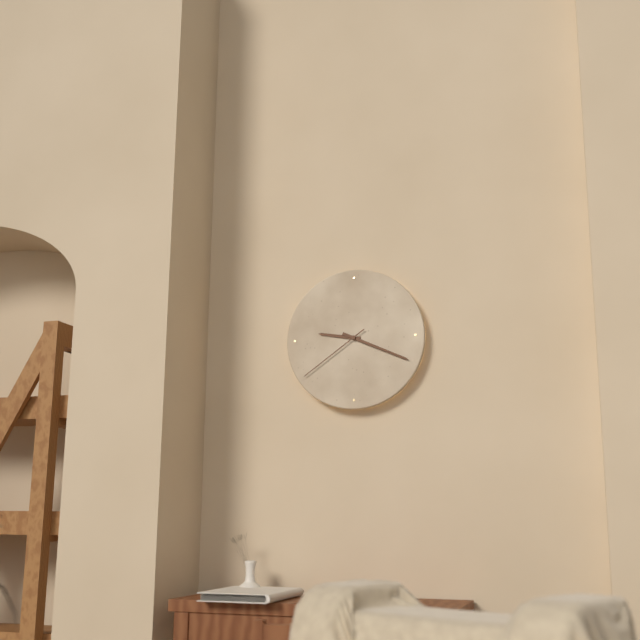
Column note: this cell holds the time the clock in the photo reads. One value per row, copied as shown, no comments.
9:19:39
